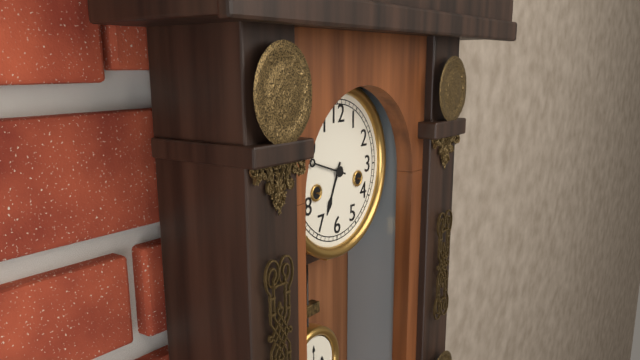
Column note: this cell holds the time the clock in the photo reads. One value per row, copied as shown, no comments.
6:48
